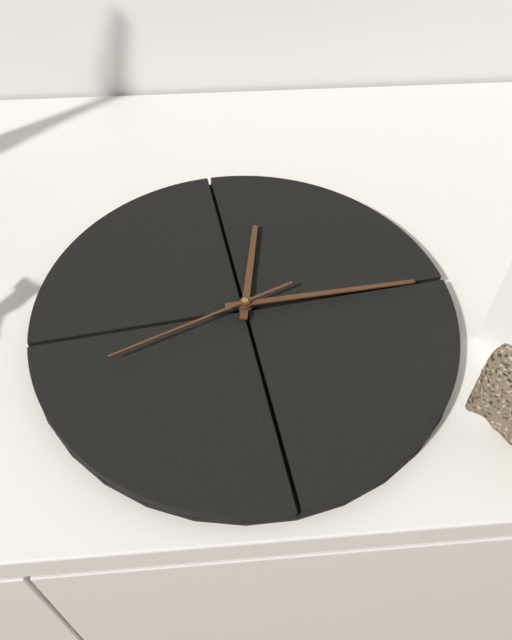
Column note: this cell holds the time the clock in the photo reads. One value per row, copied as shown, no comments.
1:19:46
